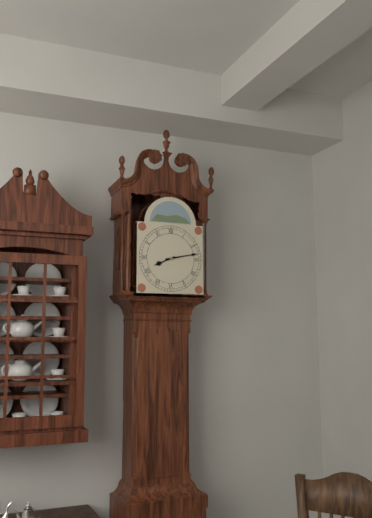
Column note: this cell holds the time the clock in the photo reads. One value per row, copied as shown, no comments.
8:13
